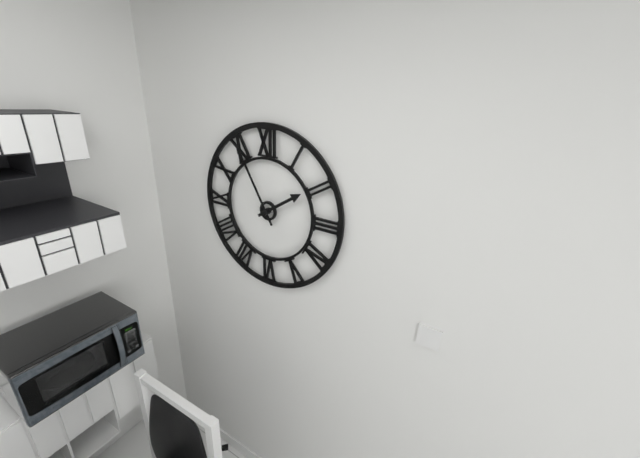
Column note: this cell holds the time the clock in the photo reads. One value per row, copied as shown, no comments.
1:55
